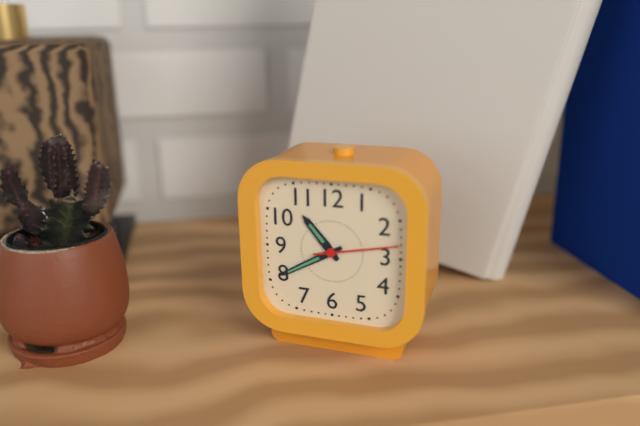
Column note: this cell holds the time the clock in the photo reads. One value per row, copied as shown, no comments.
10:40:13
